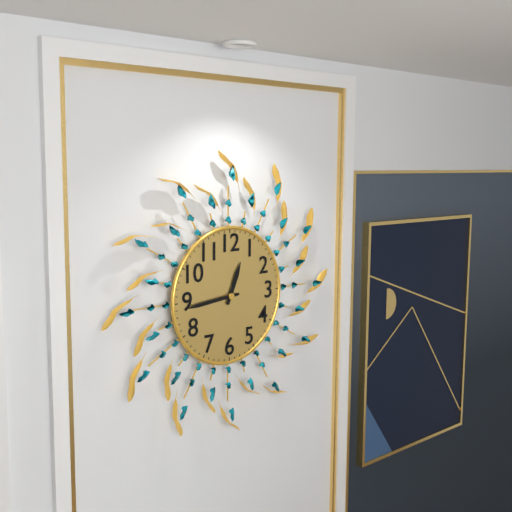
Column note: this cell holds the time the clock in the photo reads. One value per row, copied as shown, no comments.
12:44
